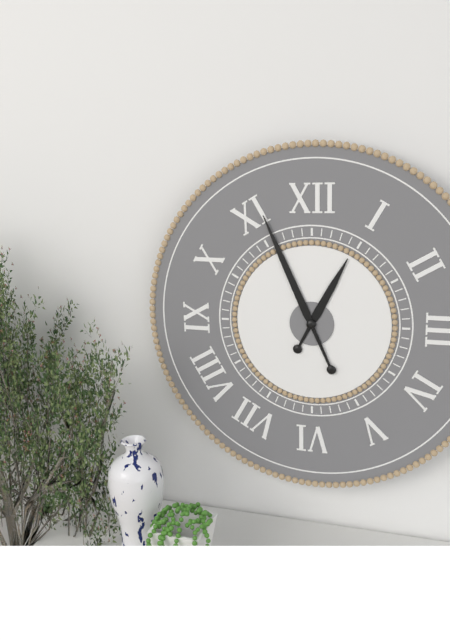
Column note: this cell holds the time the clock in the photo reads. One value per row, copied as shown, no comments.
12:56
